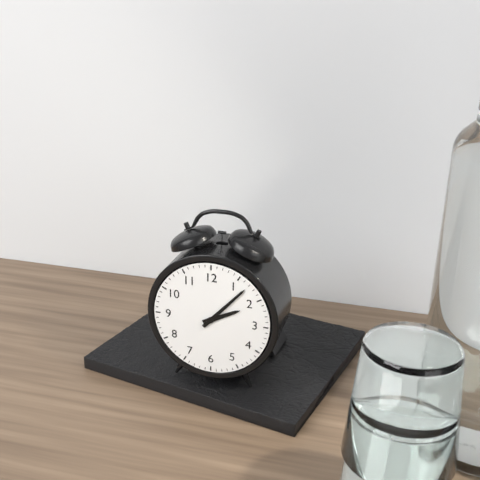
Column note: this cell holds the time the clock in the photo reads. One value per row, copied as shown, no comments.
2:07
